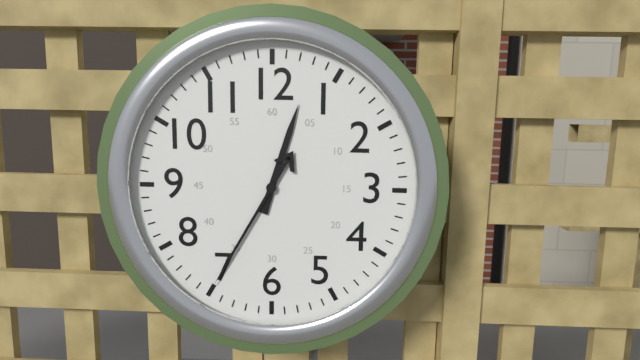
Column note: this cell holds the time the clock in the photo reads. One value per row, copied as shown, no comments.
12:35
